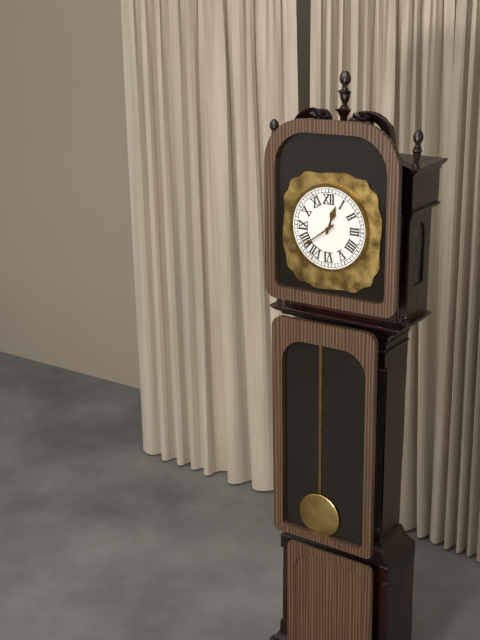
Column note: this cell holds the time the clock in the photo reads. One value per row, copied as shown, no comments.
12:39
